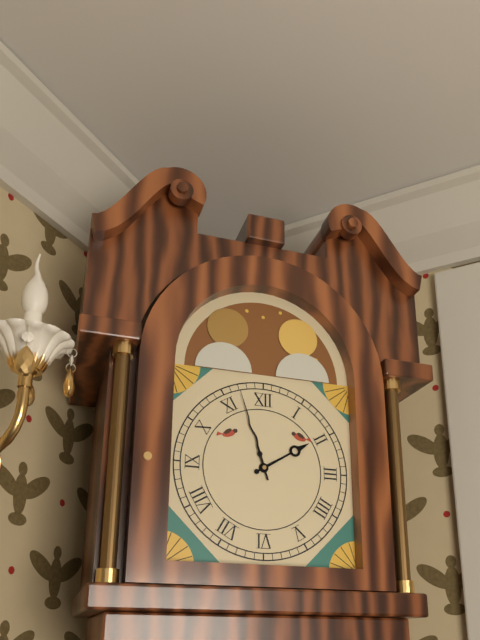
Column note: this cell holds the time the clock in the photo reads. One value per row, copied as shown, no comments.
1:57
